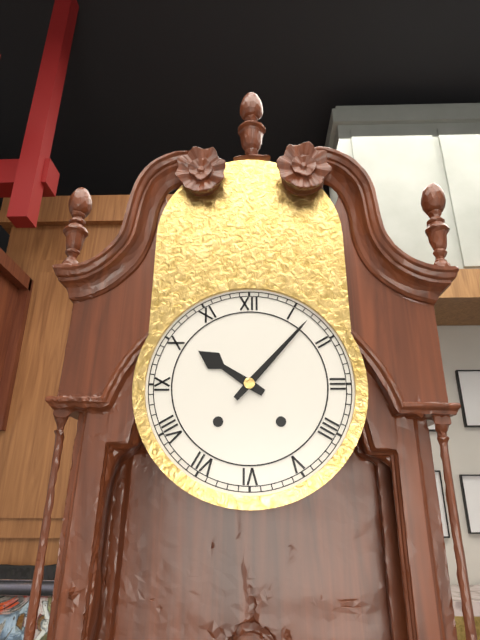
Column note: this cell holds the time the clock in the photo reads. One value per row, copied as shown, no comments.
10:07
